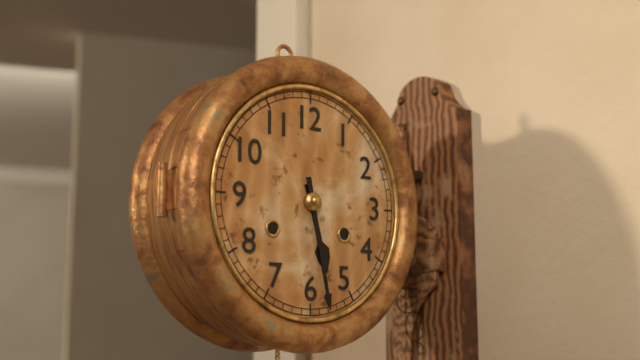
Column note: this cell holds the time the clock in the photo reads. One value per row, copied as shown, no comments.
5:28
